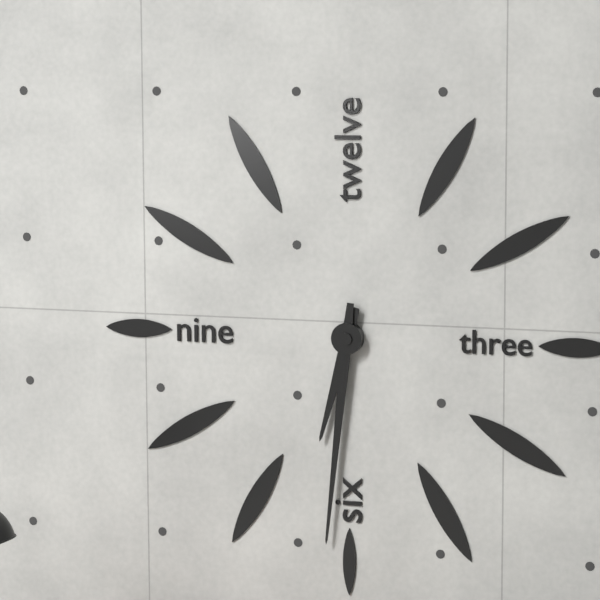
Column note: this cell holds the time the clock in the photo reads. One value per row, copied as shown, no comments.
6:31
